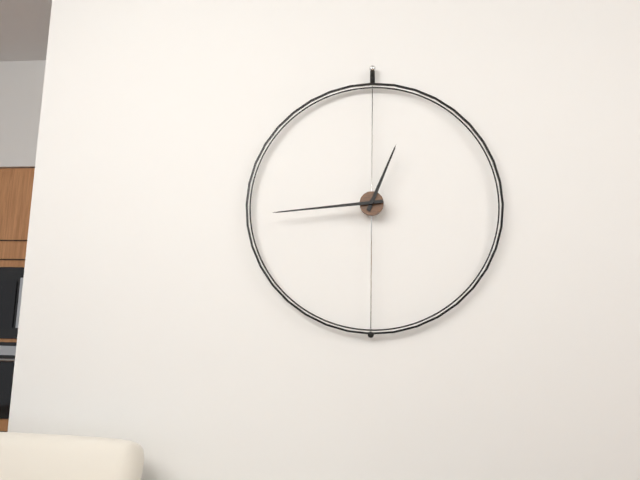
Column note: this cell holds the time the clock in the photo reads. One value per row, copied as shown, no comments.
12:44
